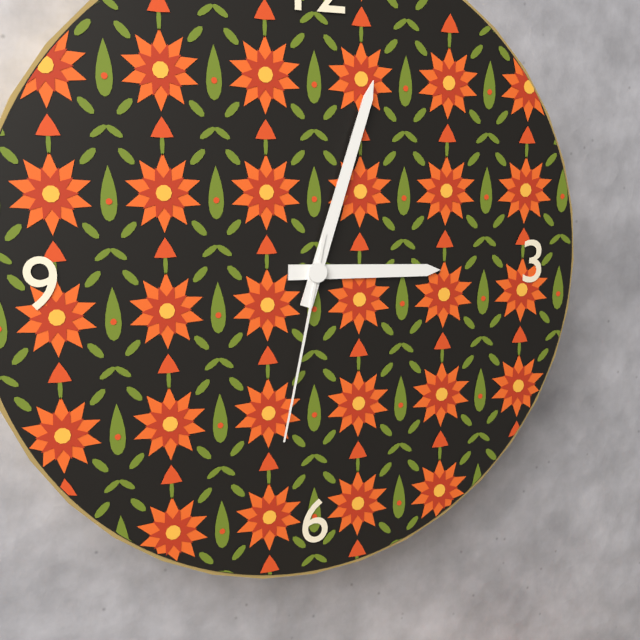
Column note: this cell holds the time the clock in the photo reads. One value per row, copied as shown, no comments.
3:03:32
